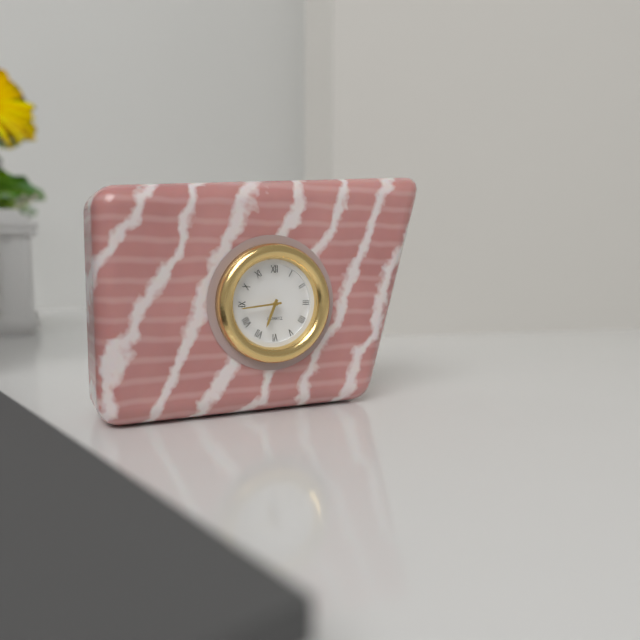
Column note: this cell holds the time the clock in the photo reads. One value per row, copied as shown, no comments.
6:44
